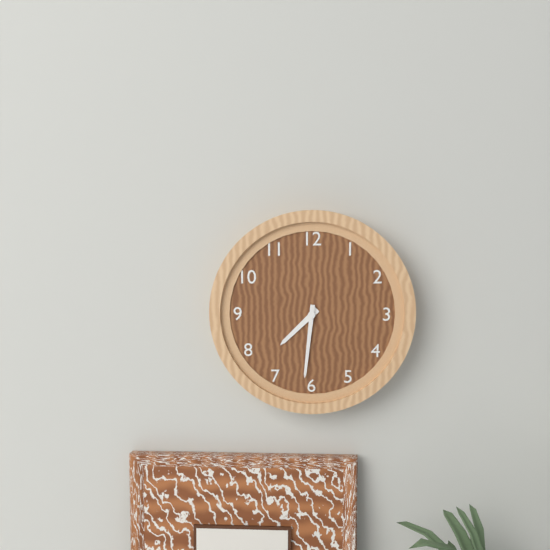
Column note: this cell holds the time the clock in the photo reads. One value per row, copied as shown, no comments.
7:31
